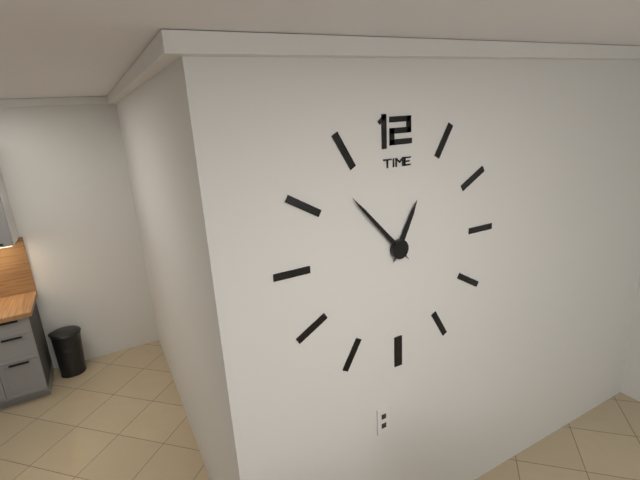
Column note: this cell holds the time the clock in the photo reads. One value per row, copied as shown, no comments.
12:53
